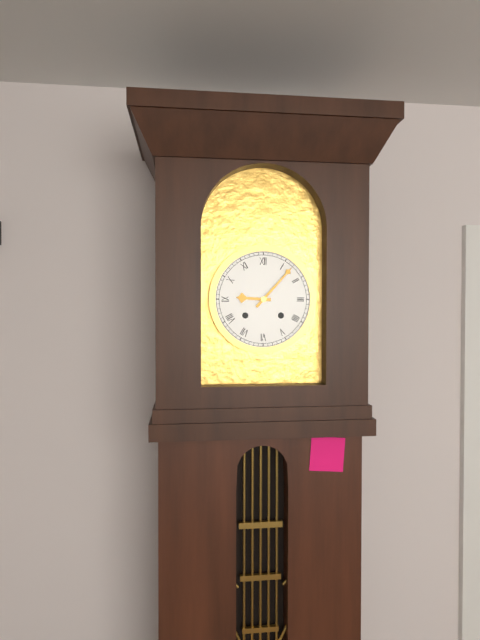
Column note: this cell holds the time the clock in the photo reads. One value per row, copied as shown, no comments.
9:07
